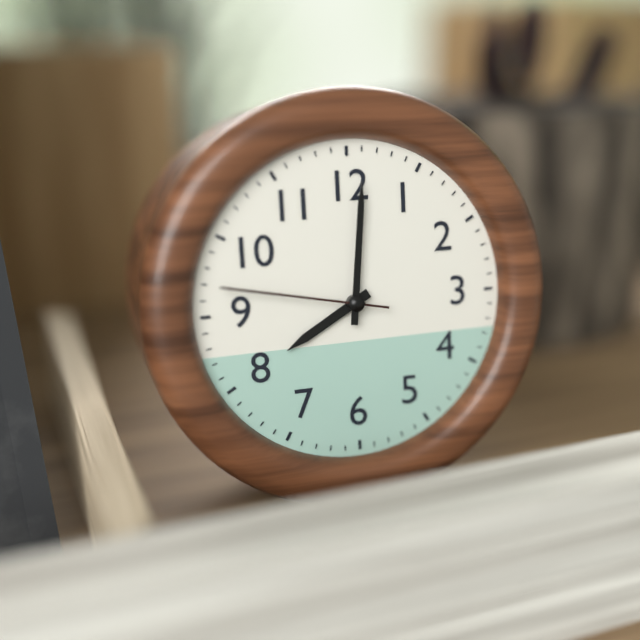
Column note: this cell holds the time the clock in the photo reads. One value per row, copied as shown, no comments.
8:01:47
